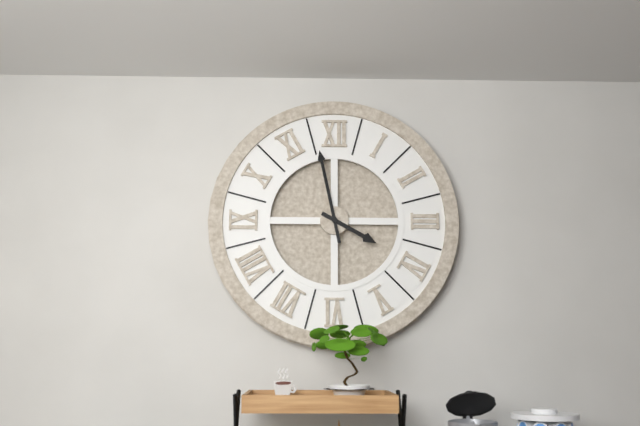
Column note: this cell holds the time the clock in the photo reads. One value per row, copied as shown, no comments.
3:58
